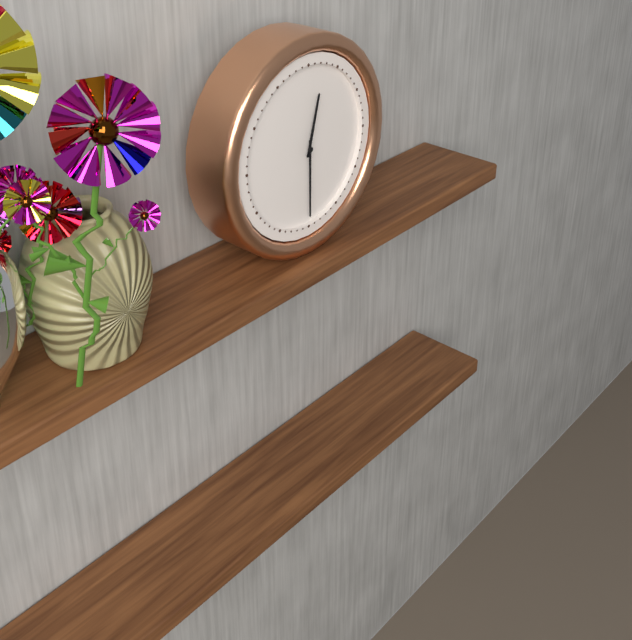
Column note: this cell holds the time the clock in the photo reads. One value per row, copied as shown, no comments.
12:30
